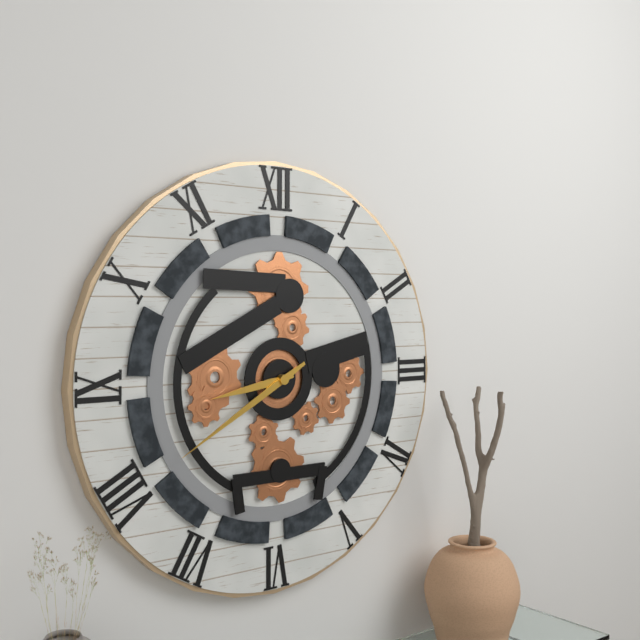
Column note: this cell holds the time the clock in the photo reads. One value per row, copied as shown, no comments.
8:40
